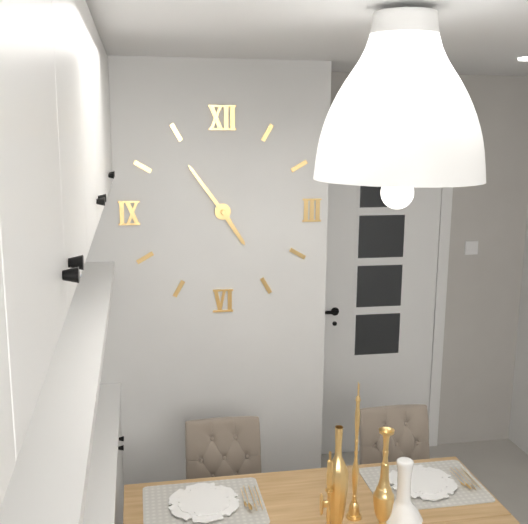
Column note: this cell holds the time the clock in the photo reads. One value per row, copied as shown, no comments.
4:54
